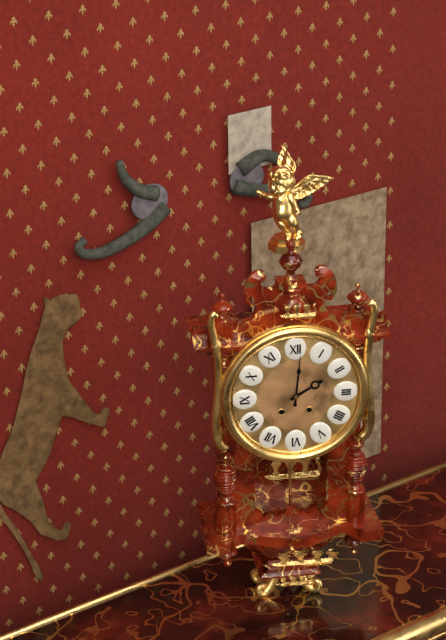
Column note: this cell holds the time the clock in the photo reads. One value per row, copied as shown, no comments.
2:01
